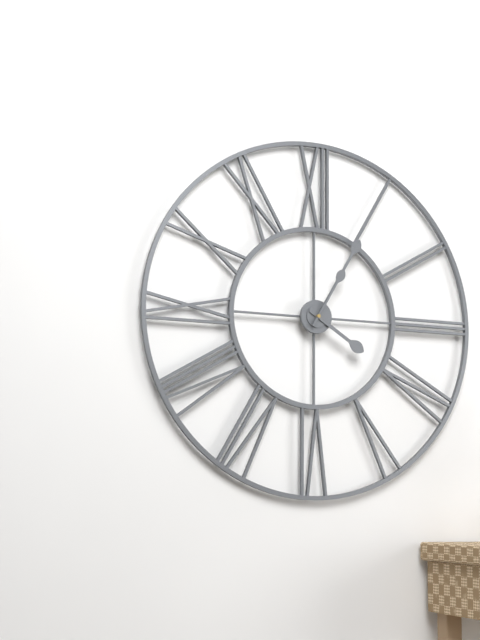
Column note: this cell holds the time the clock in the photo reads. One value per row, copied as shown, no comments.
4:05:05
